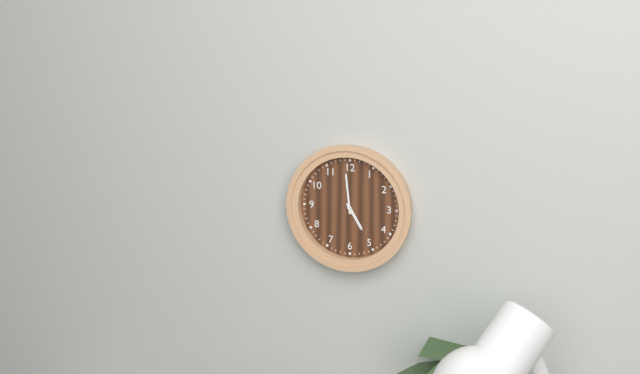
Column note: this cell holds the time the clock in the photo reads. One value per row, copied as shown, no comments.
4:59
